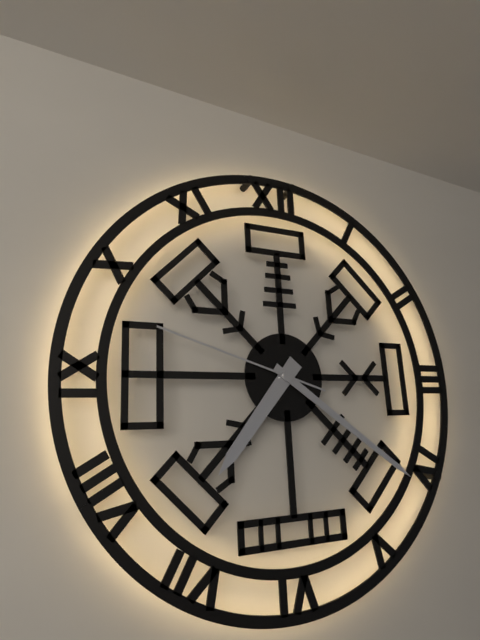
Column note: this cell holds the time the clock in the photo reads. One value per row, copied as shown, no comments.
7:21:48
